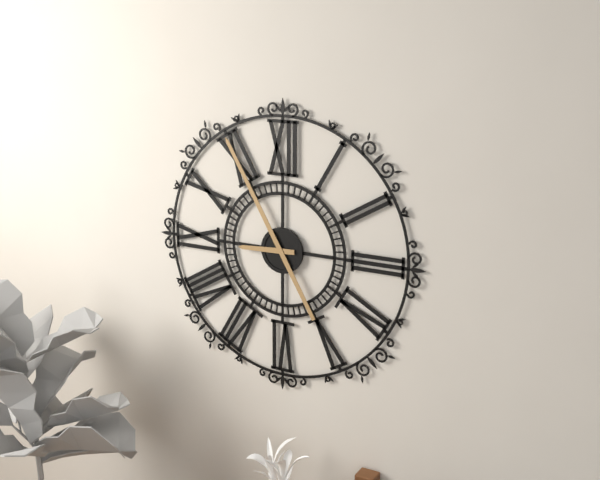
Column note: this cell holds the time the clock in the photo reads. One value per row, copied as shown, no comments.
8:55
